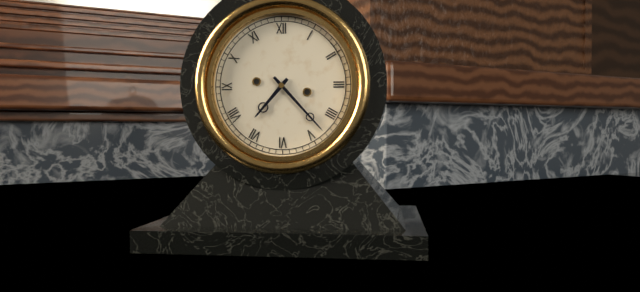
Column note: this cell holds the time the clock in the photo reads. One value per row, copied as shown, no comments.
7:23
